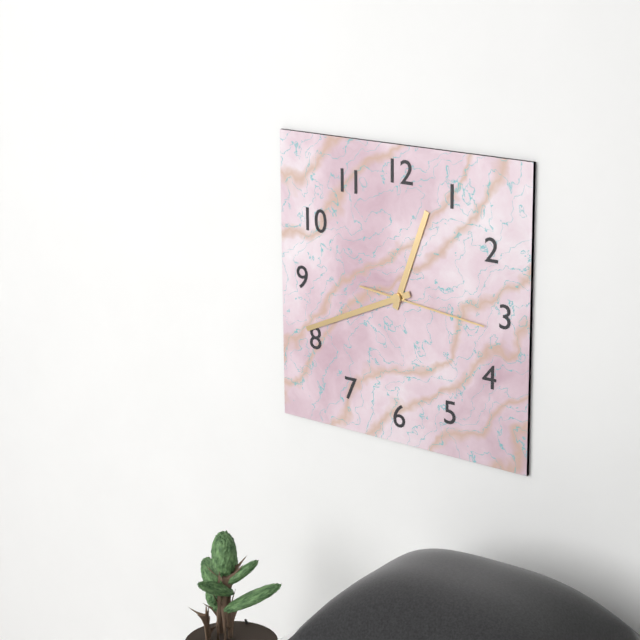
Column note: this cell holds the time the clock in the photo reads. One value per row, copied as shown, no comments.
12:41:16
